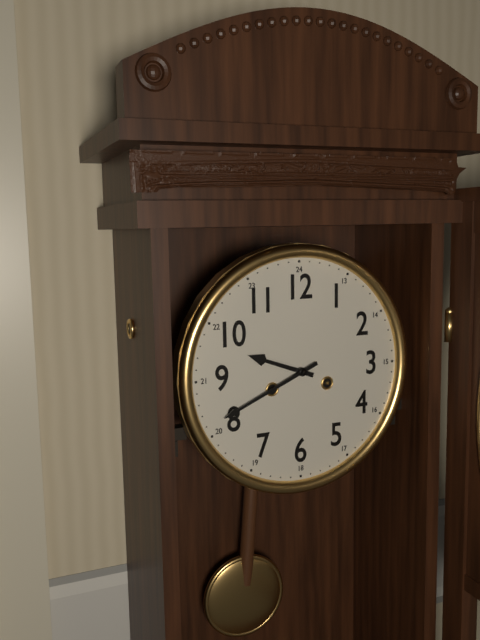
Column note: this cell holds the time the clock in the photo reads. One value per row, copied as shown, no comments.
9:41
